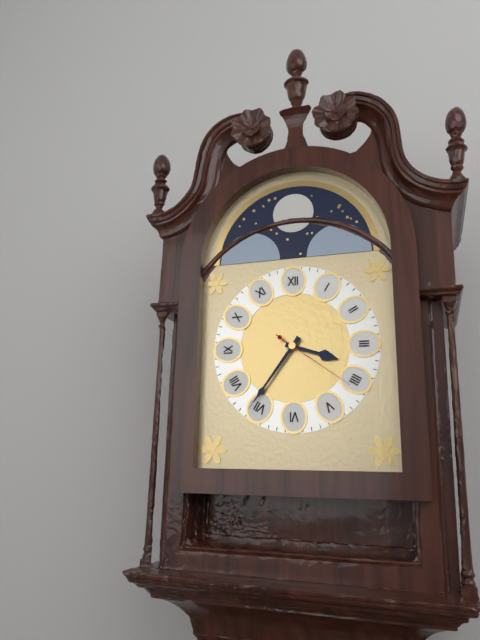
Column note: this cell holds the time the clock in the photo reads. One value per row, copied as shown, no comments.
3:36:21
